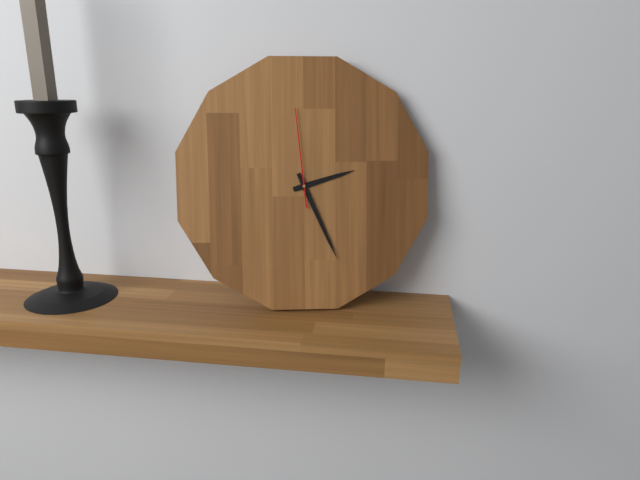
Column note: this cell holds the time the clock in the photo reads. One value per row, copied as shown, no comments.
2:26:59
